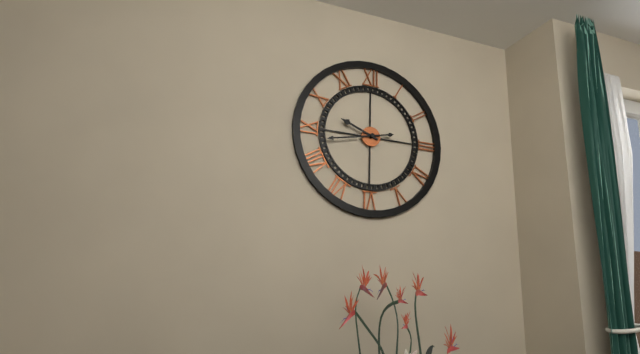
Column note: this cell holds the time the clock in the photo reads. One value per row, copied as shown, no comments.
9:43
